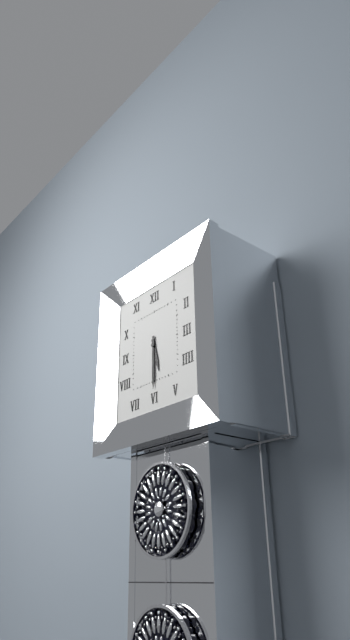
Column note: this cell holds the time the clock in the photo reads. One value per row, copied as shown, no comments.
5:30
